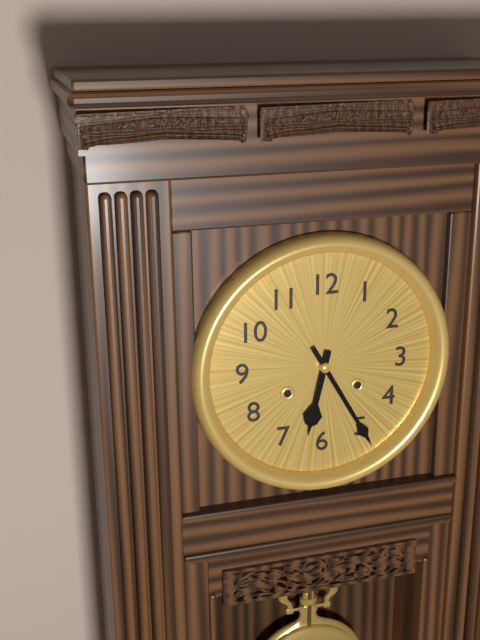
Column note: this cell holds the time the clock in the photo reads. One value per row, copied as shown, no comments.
6:25
